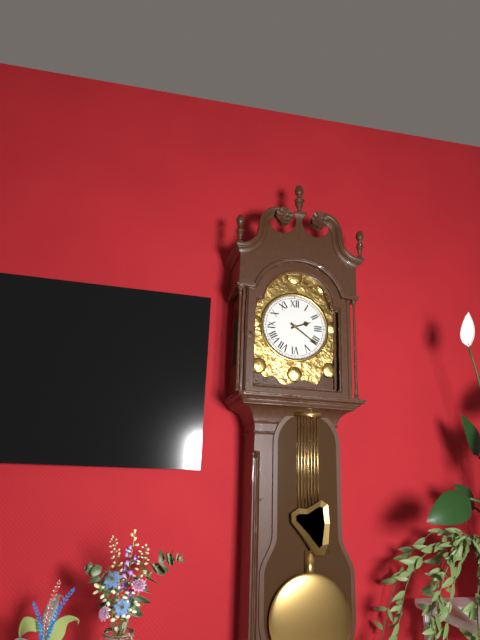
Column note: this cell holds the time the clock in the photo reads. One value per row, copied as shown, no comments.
2:21
